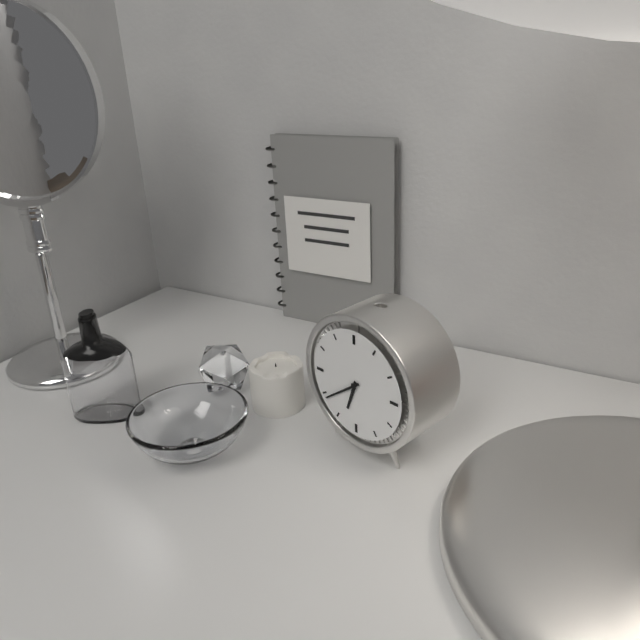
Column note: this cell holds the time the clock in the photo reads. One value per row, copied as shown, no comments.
6:39
